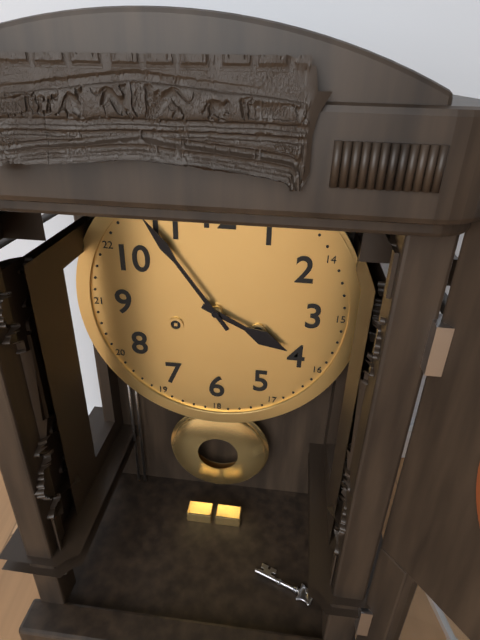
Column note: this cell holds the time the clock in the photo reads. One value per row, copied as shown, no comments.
3:54
